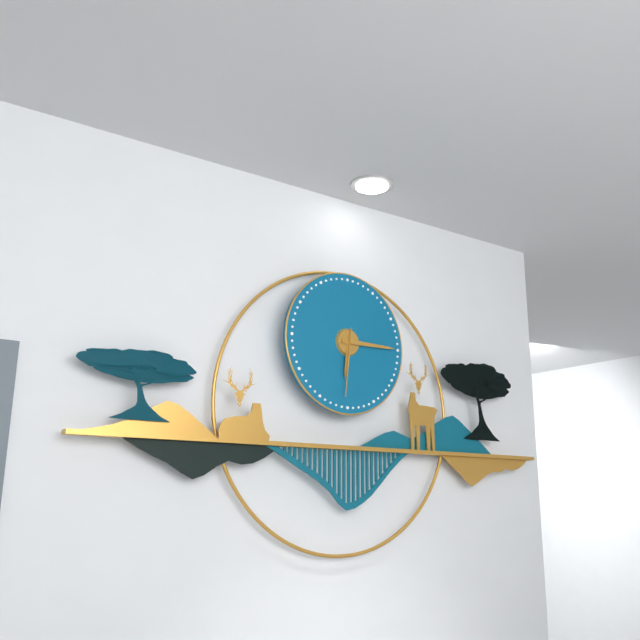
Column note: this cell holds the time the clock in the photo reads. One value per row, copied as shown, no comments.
6:15:31
